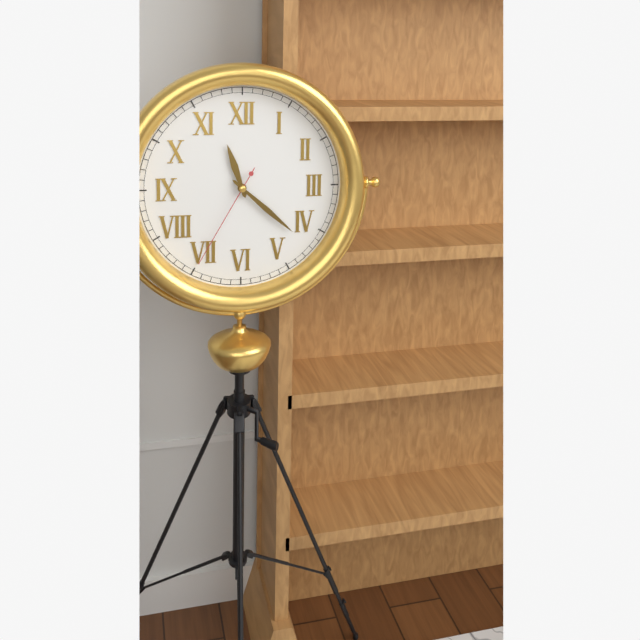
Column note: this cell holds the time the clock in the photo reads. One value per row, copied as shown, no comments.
11:22:35
